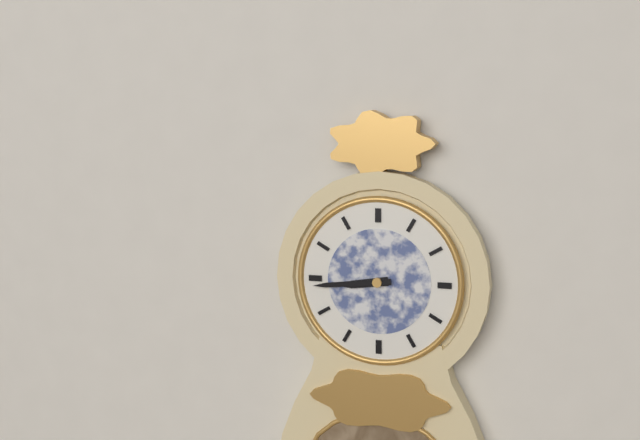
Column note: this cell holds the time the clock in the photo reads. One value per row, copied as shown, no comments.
8:44
